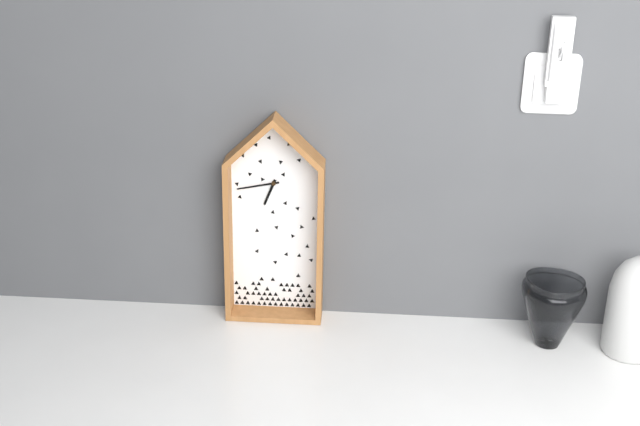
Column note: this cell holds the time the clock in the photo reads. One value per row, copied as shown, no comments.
6:43
